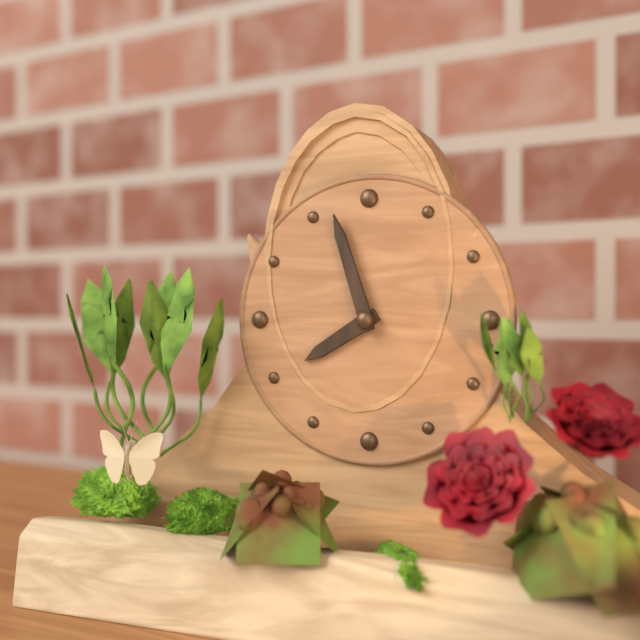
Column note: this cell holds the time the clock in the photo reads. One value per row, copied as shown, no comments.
7:57
